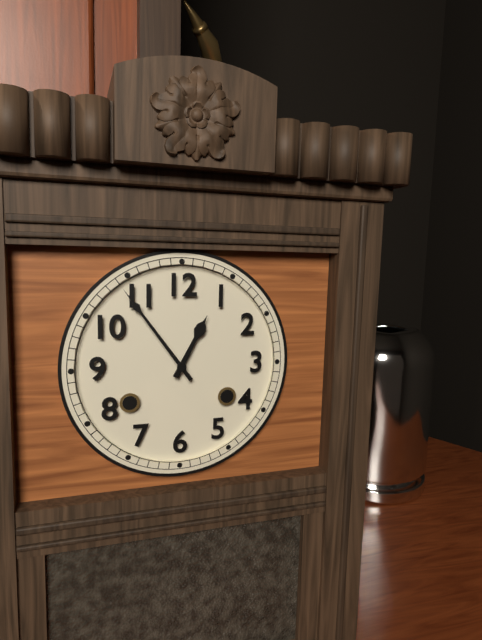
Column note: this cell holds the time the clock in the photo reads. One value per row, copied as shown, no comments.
12:54
